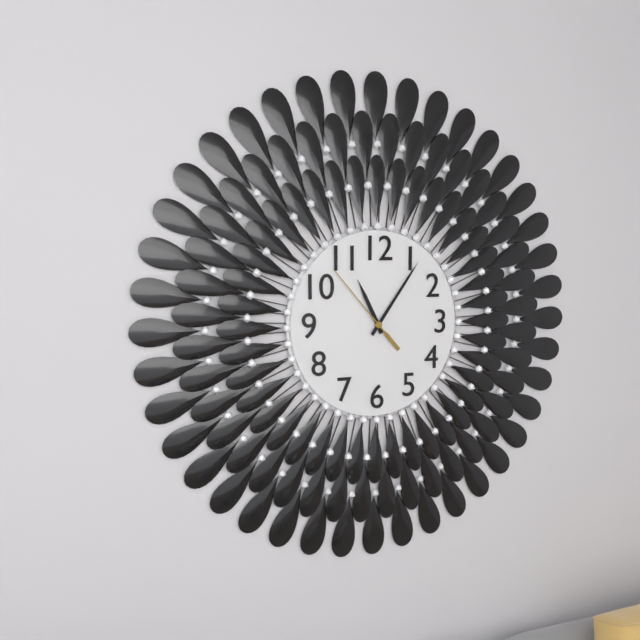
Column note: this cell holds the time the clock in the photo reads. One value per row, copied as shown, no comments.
11:06:53
